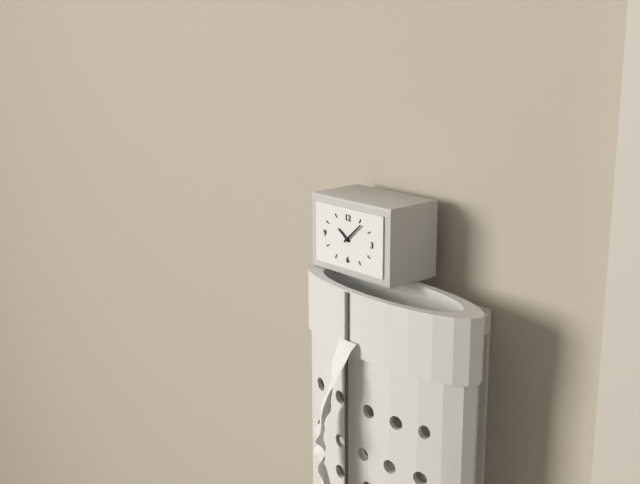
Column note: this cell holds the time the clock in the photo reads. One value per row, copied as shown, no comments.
10:08
